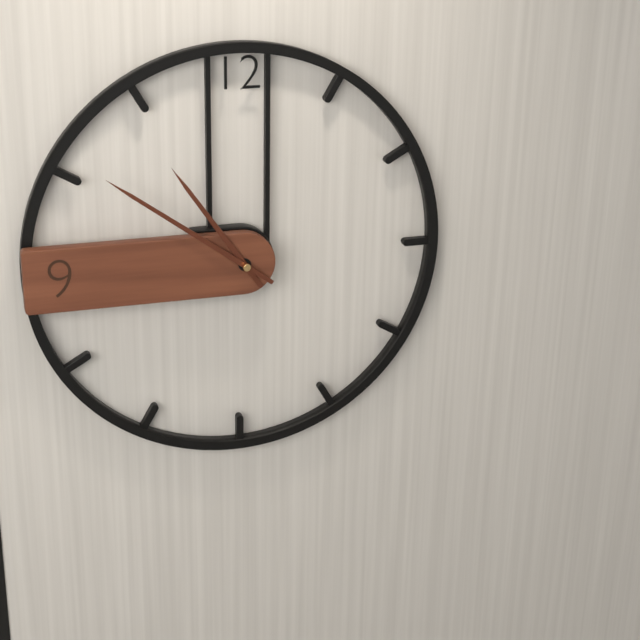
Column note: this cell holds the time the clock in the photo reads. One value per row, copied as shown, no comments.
10:51
